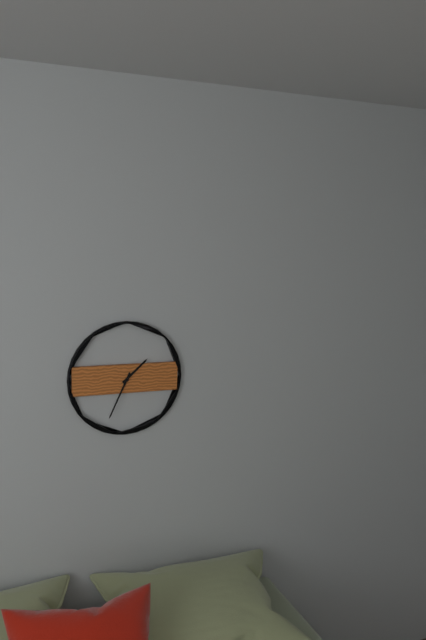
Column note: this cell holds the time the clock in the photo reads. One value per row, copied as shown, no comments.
1:34
